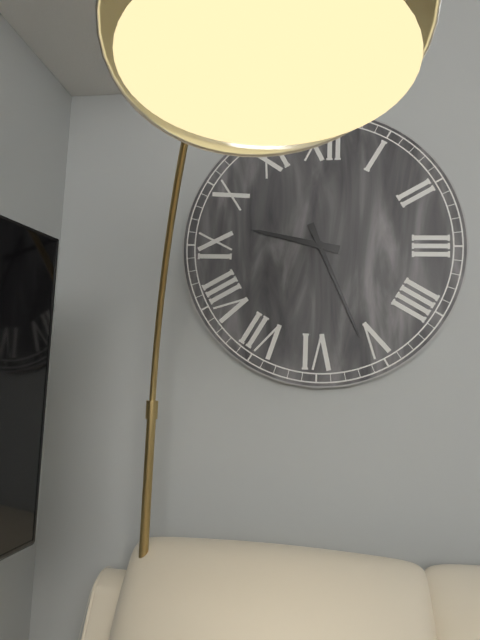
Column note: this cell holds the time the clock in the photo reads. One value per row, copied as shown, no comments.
9:26
